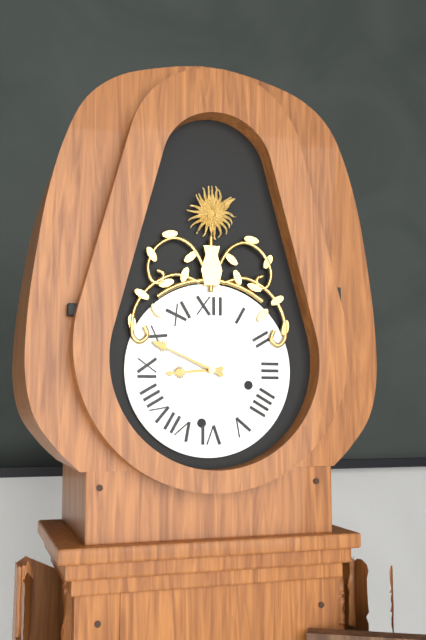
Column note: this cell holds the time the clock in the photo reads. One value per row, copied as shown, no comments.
8:49
